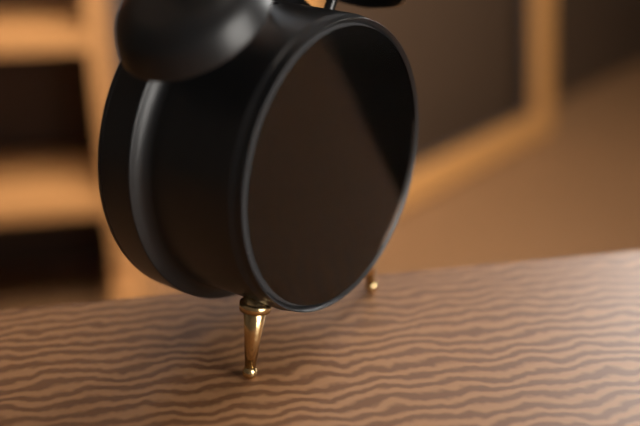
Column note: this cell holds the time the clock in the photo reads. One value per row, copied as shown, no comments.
4:02
